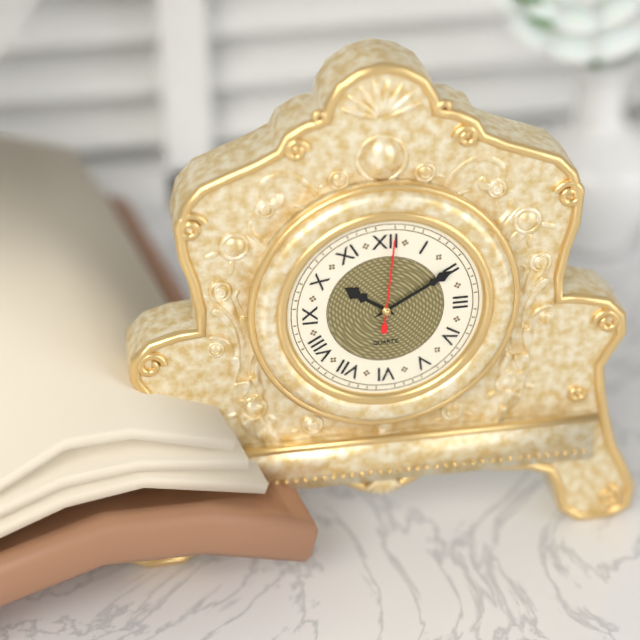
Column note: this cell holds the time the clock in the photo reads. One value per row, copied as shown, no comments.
10:10:01
